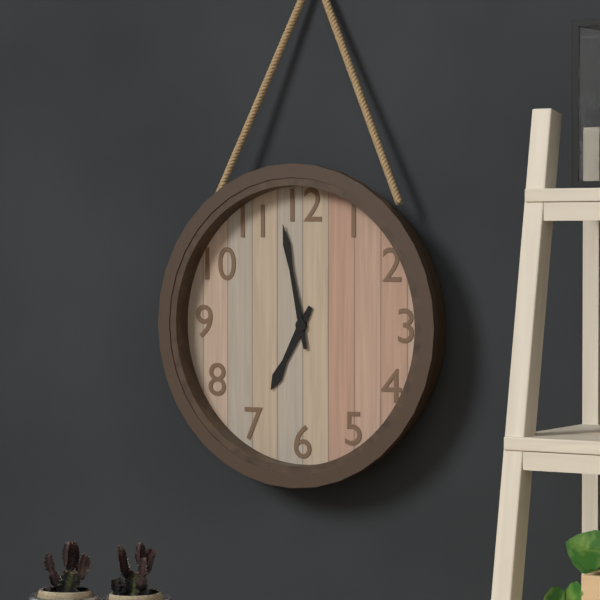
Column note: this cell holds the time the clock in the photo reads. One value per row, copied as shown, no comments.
6:58
